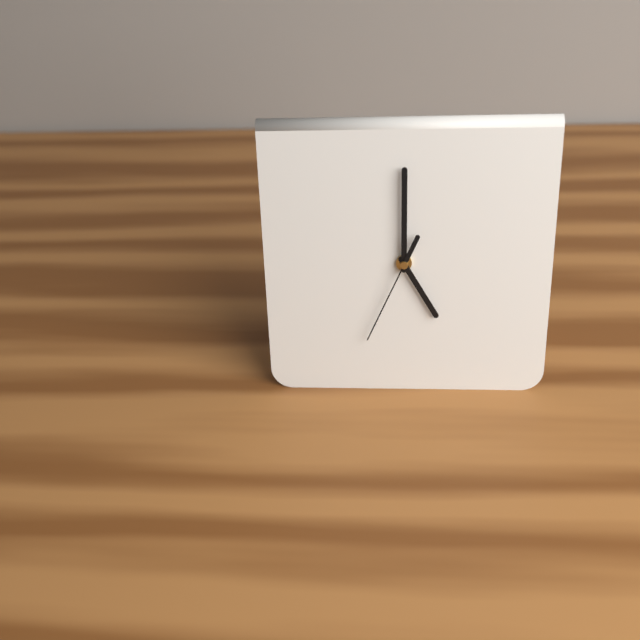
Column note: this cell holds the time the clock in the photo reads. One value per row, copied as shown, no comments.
5:00:34
